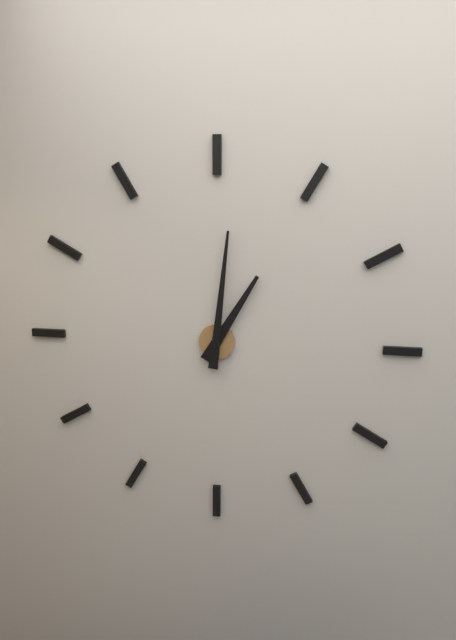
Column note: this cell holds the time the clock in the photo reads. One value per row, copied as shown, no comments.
1:01
